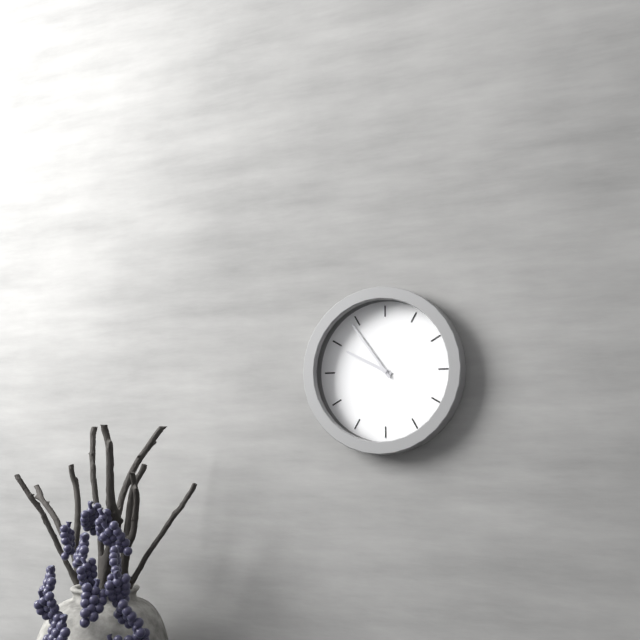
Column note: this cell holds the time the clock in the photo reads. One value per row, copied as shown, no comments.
9:54
